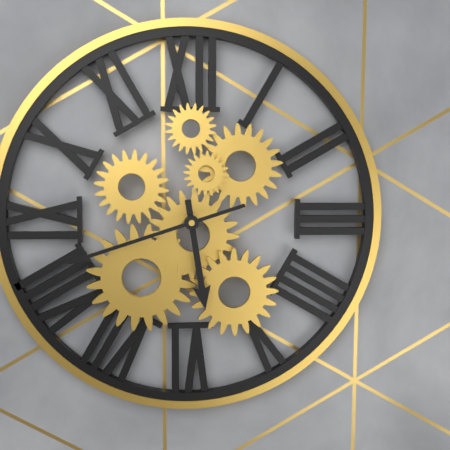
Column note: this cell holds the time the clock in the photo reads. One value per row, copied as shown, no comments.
5:42
